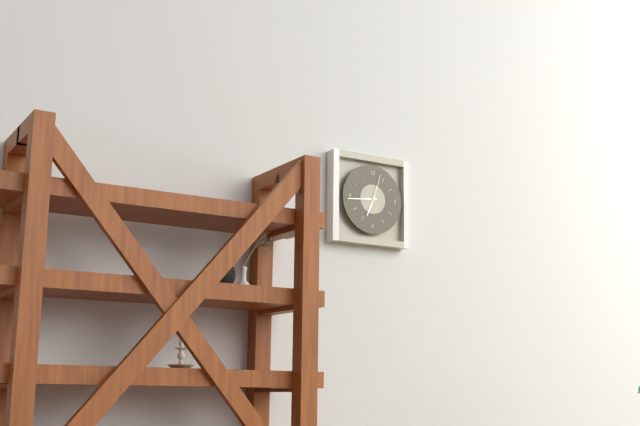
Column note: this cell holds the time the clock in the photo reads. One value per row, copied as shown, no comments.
6:44
